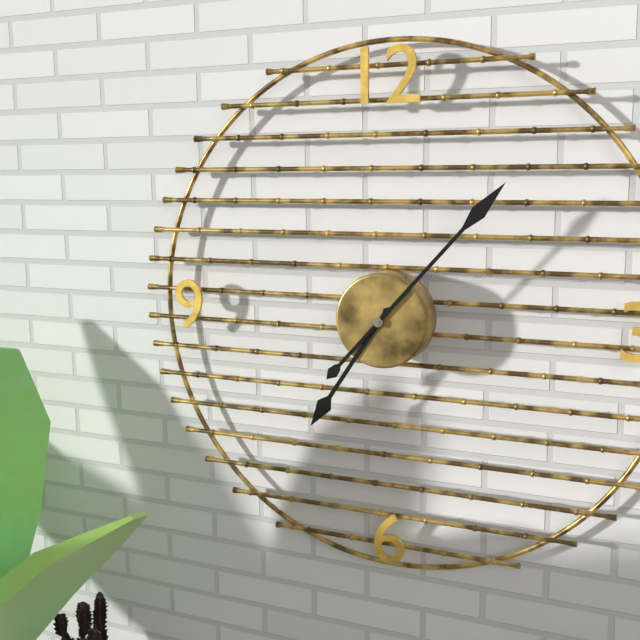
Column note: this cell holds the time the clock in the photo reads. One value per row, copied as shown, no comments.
7:07
